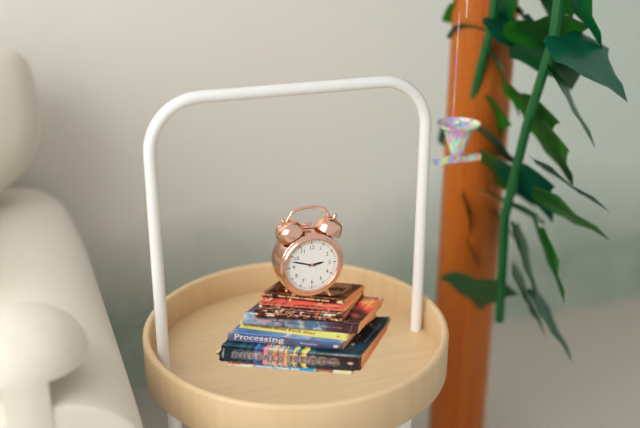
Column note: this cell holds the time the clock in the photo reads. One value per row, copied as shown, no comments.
2:48
